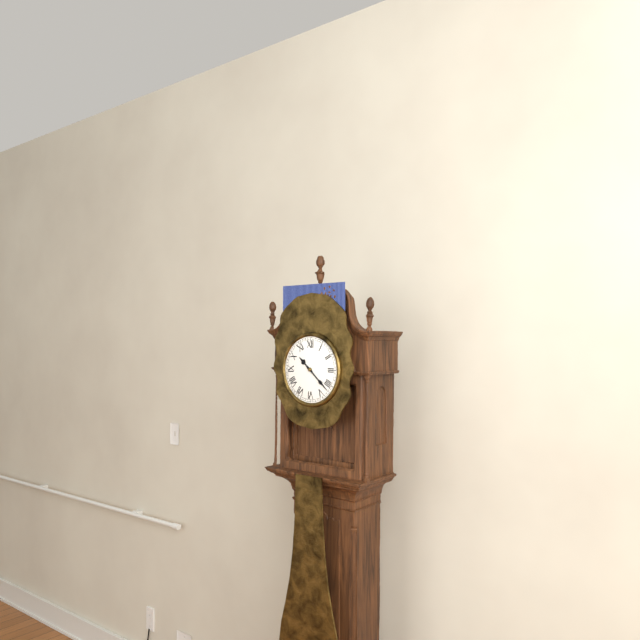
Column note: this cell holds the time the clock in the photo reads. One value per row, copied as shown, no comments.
10:22
